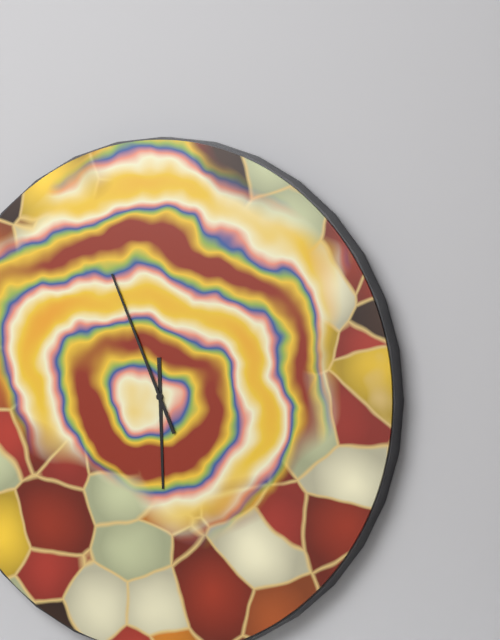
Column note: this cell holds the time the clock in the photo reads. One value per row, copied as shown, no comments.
5:56
